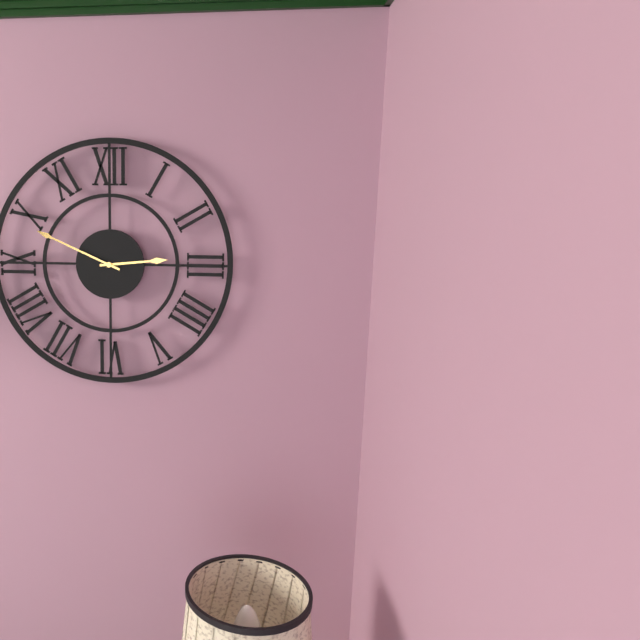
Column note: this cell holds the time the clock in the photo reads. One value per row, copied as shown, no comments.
2:49
